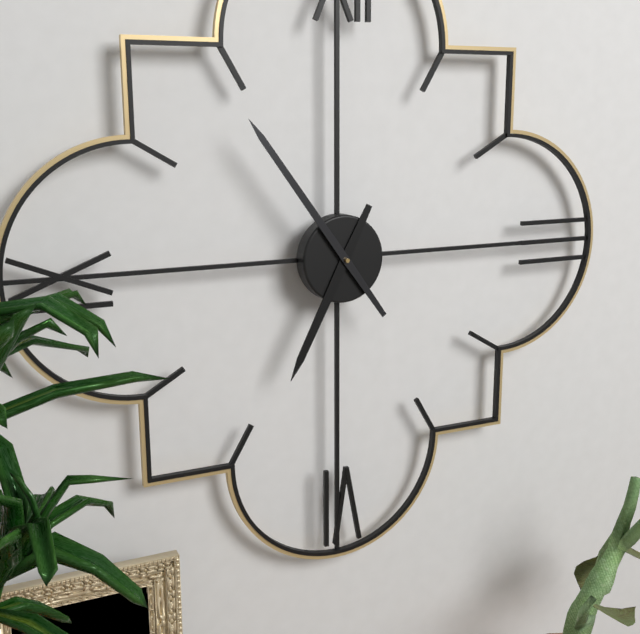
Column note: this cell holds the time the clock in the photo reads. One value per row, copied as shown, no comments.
6:54
